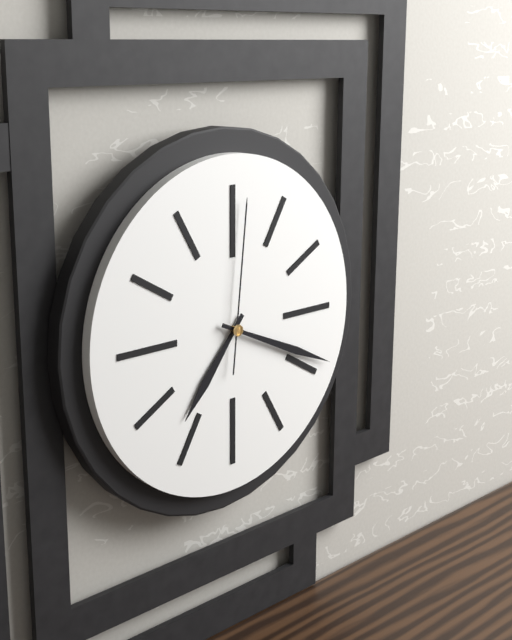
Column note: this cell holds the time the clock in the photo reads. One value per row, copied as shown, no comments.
7:19:01
